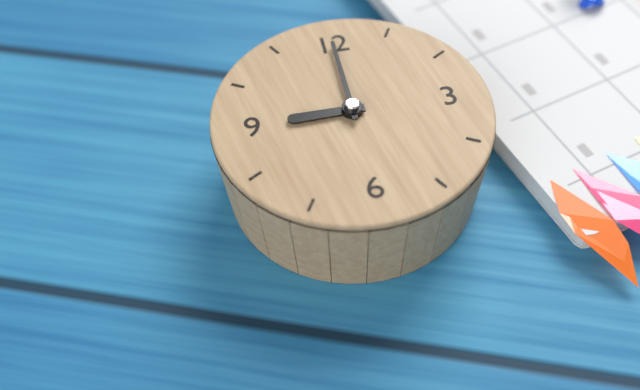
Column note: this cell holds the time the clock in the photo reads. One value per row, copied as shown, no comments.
9:00
